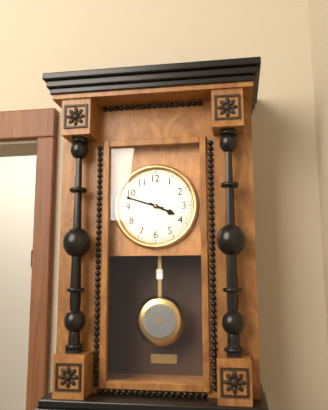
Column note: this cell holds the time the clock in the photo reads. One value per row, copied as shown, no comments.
3:48
